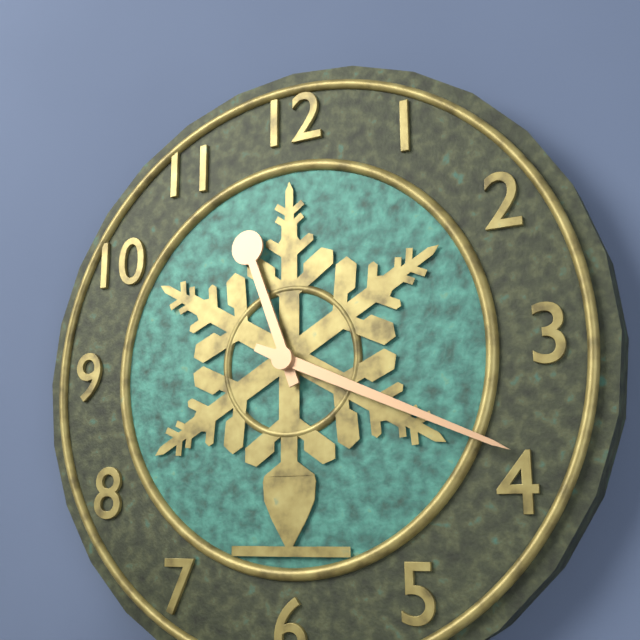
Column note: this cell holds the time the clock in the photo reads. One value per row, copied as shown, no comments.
11:19
